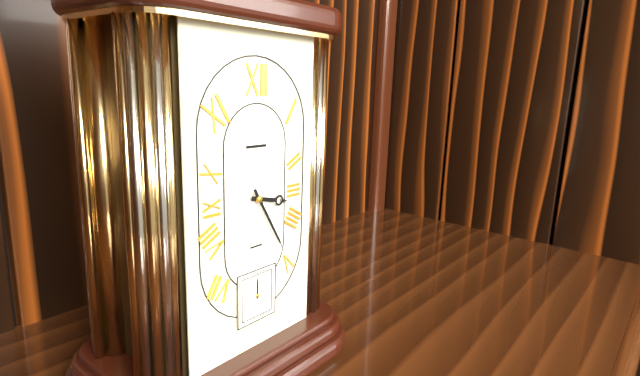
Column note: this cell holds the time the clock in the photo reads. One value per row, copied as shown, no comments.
3:25
